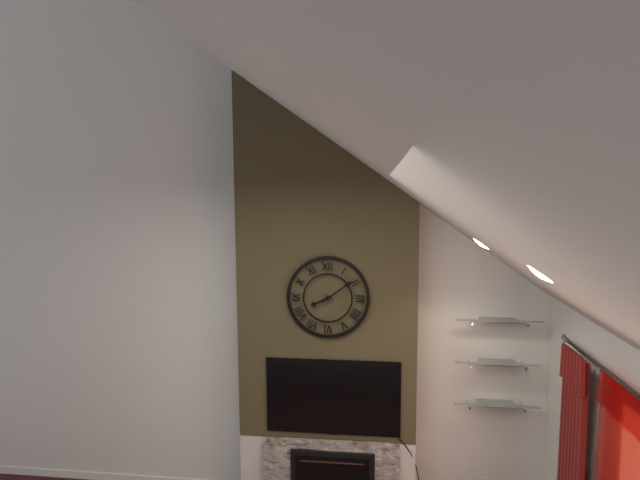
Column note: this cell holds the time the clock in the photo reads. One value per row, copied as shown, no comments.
8:09
